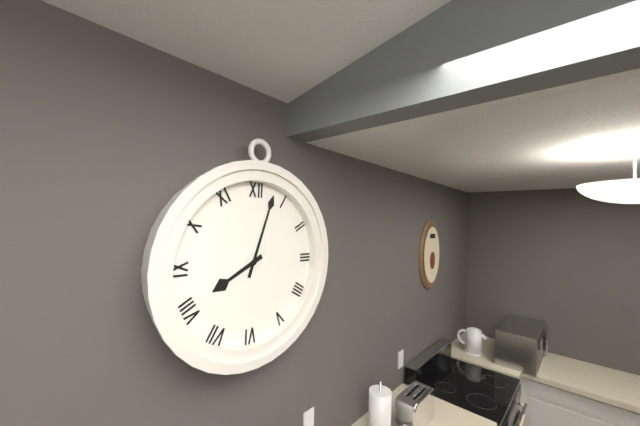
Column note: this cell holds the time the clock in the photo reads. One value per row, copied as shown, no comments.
8:03
